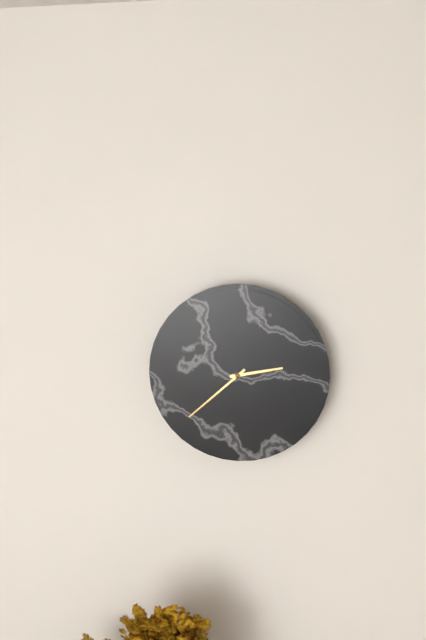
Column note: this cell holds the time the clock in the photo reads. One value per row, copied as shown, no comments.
2:38
